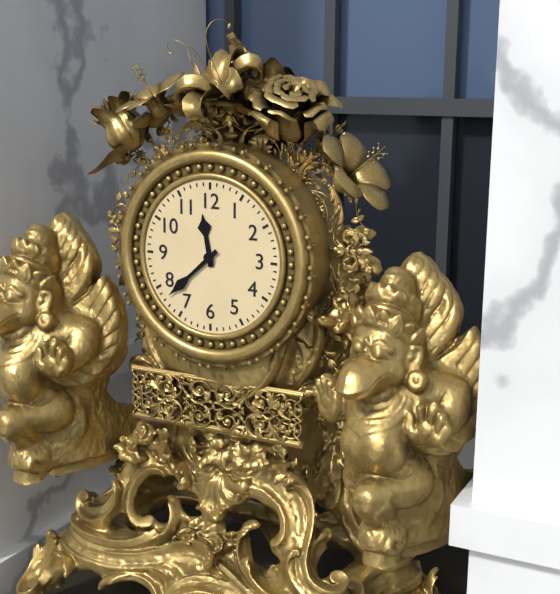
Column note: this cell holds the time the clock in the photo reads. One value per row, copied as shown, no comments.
11:38
